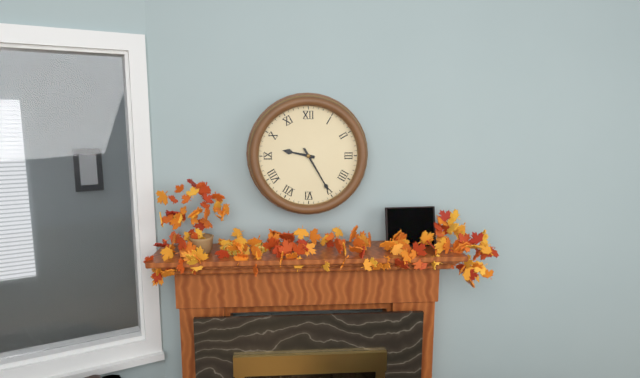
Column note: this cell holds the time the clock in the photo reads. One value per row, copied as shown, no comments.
9:25
